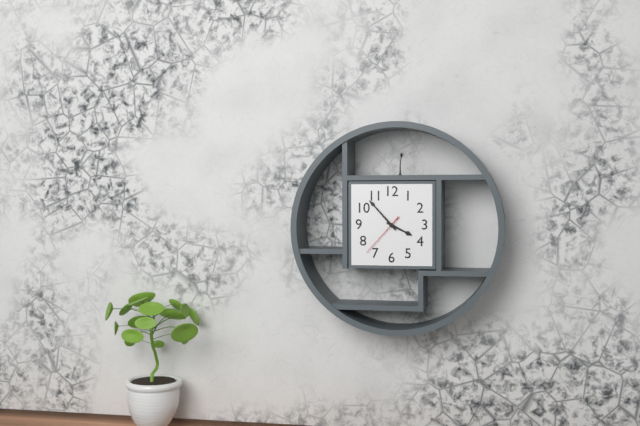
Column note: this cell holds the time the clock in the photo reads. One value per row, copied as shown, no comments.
3:53
